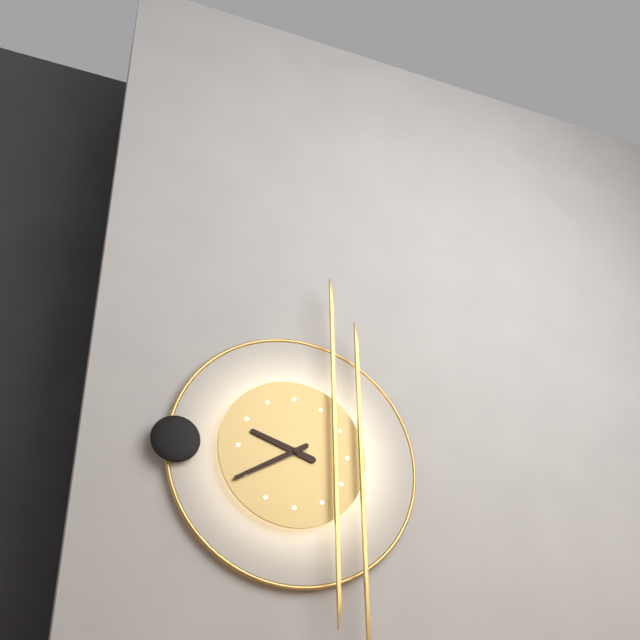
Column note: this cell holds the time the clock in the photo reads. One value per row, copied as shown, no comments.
9:40
